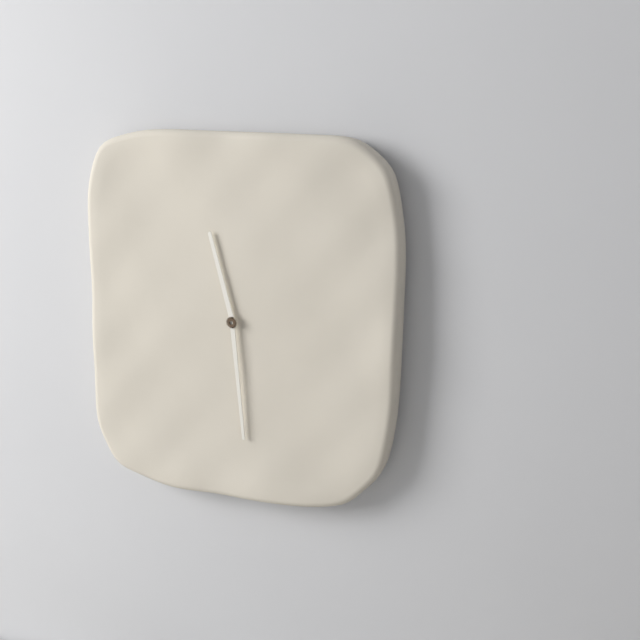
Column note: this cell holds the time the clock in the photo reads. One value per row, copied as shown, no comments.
11:29
